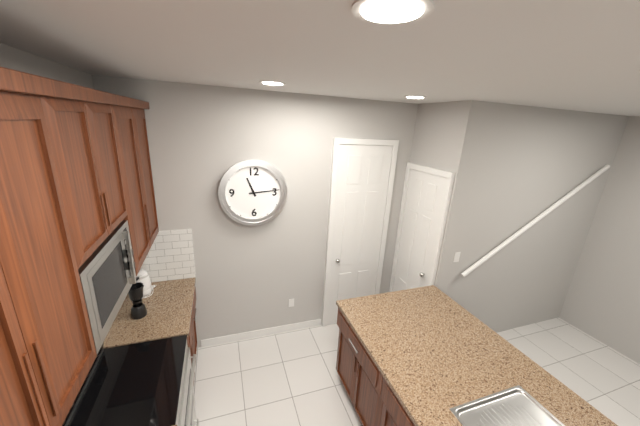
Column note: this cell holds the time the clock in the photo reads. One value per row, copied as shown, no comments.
11:14
